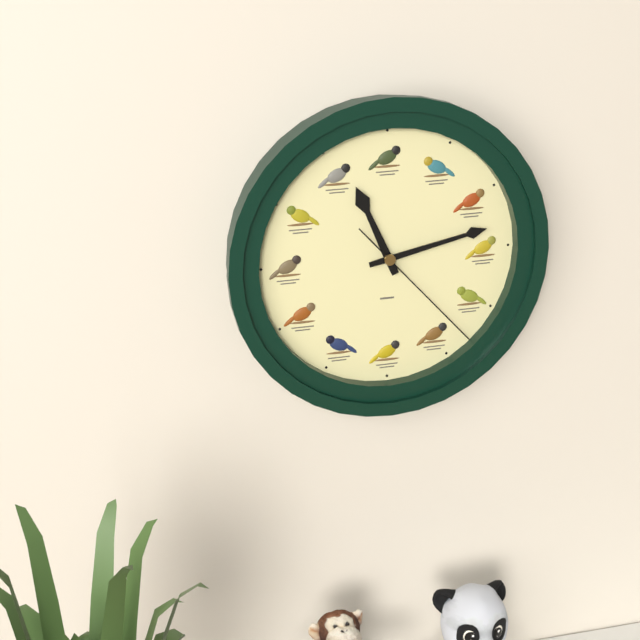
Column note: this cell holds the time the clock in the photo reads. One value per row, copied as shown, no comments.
11:13:23
